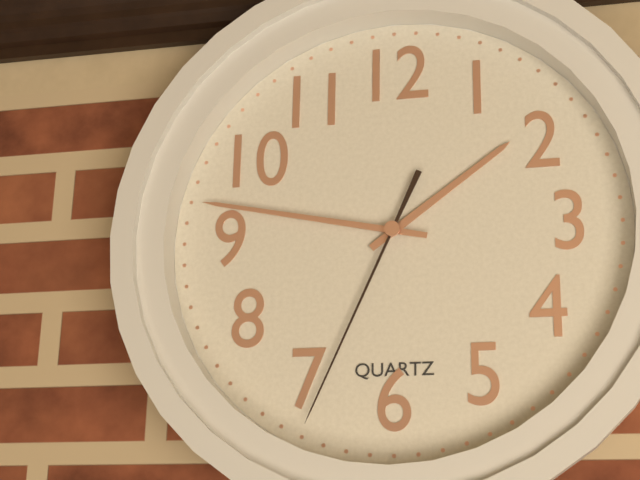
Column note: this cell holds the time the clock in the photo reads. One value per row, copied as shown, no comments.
1:47:34
